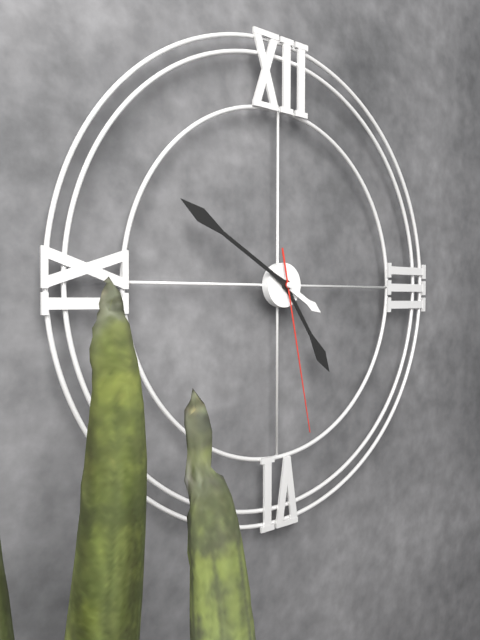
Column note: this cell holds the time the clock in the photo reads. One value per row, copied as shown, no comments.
4:50:28
